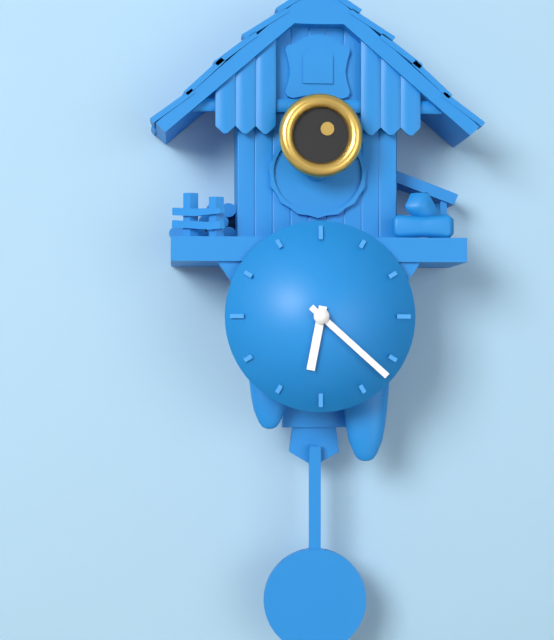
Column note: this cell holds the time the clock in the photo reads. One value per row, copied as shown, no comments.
6:22
